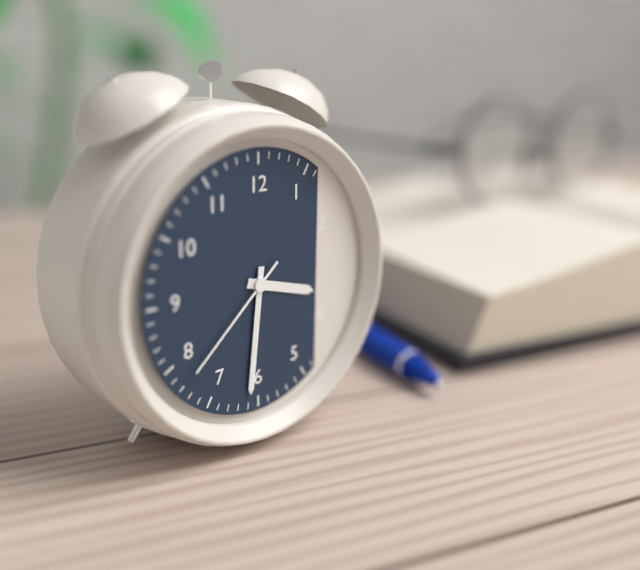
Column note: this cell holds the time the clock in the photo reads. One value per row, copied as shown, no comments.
3:31:38
